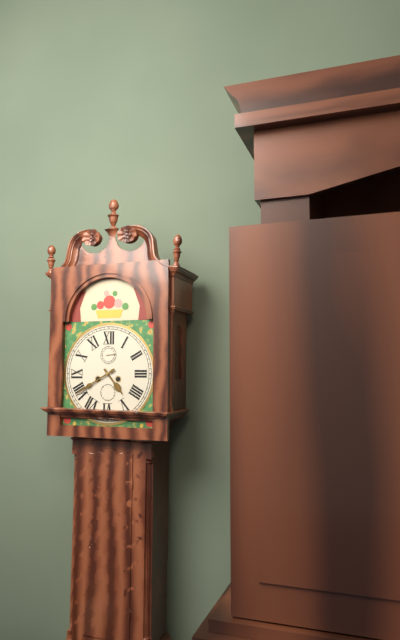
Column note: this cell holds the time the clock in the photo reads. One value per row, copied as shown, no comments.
4:40
